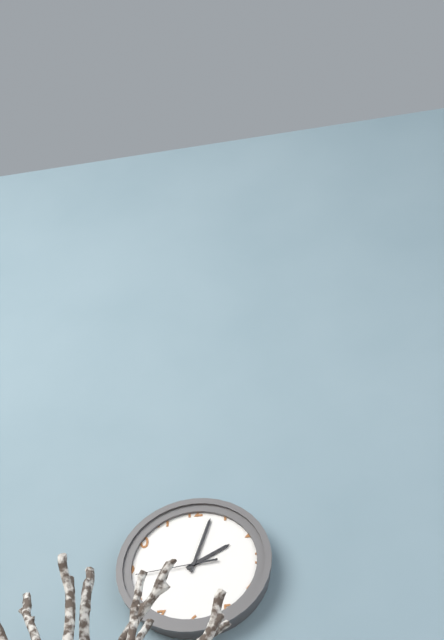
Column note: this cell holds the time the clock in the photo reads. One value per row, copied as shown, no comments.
2:03:44
